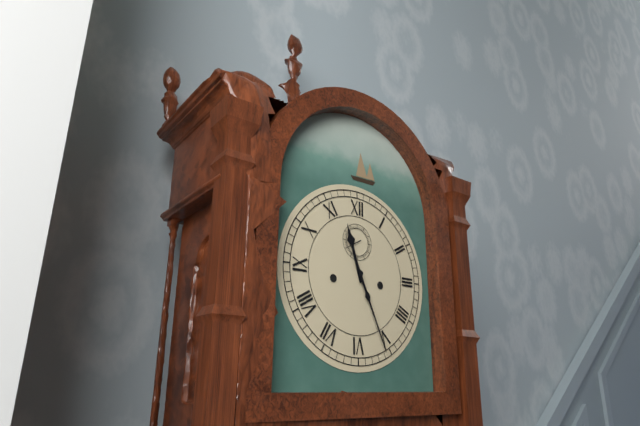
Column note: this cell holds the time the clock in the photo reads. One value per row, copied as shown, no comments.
11:26
